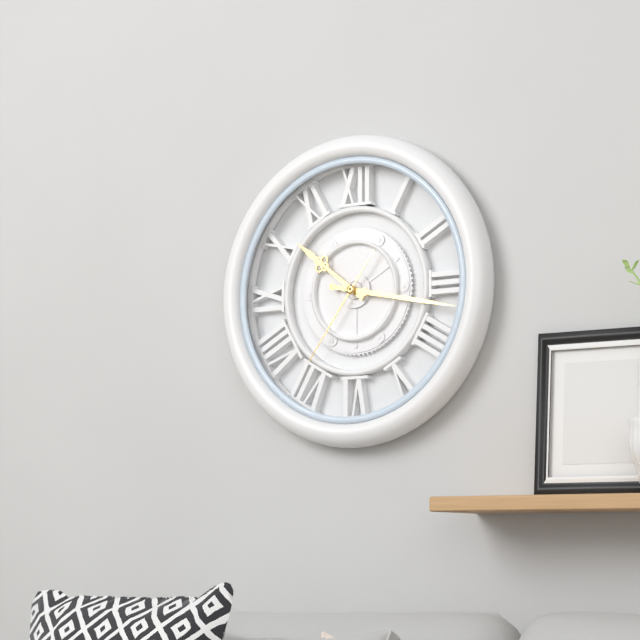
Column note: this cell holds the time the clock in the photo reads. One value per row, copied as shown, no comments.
10:17:36
